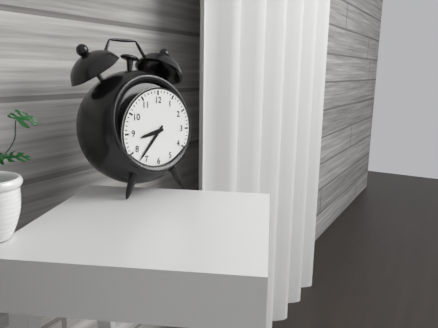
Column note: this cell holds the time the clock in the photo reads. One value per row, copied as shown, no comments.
8:37
